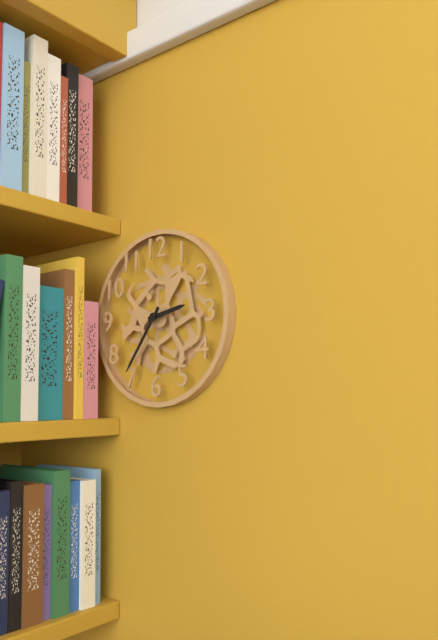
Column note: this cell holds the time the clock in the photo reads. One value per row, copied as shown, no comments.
2:36
